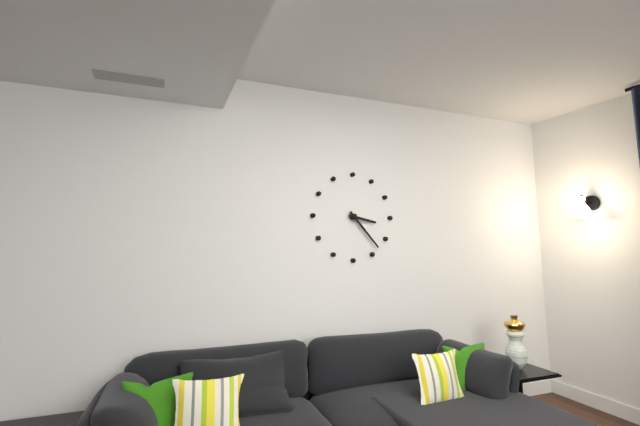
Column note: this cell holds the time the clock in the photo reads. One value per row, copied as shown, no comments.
3:23
